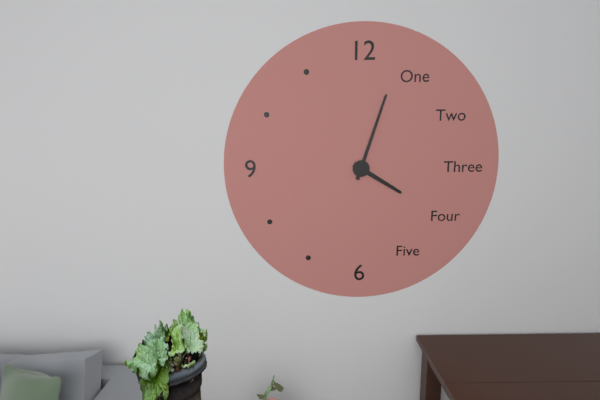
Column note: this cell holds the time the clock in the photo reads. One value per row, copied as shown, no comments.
4:03
